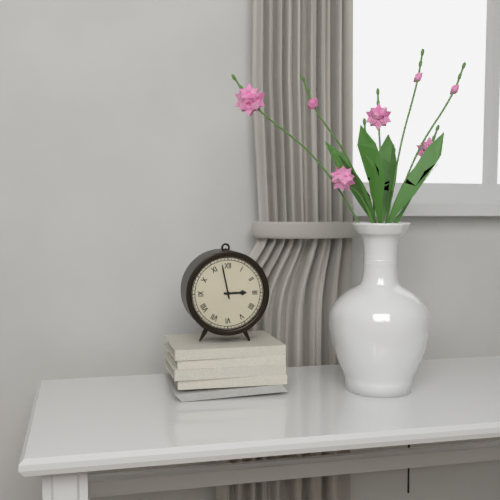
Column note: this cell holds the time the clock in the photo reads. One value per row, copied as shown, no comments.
2:58
